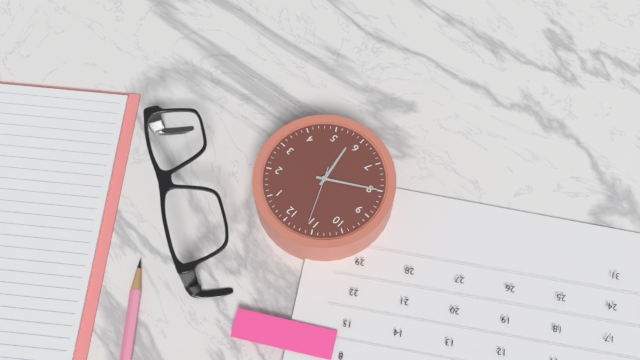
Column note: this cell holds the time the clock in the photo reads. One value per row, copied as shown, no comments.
5:40
